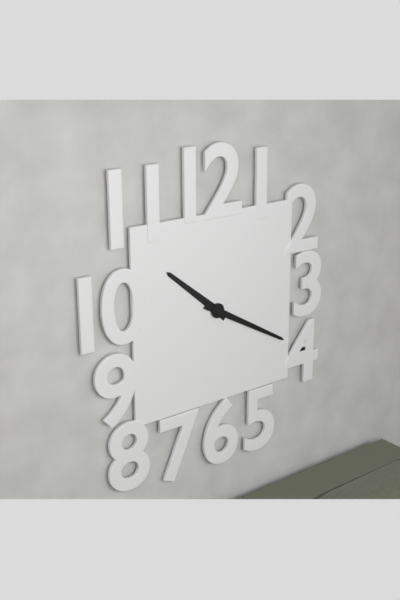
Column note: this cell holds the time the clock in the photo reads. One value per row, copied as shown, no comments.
10:20
